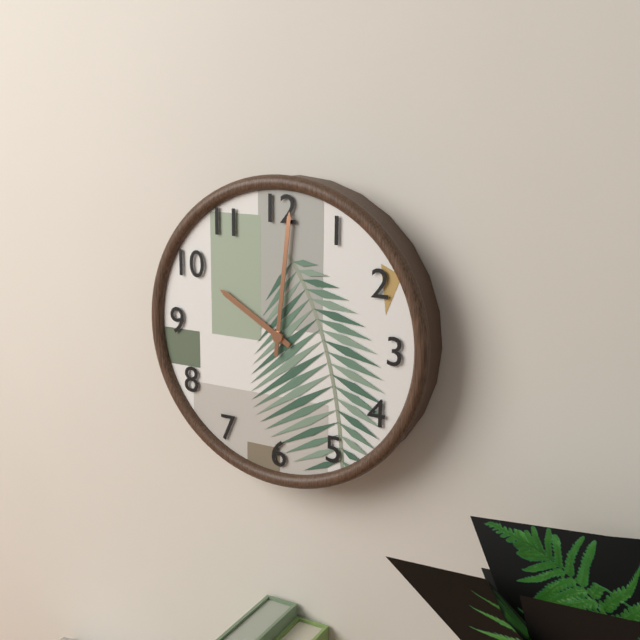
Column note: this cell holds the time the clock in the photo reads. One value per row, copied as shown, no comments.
10:01
